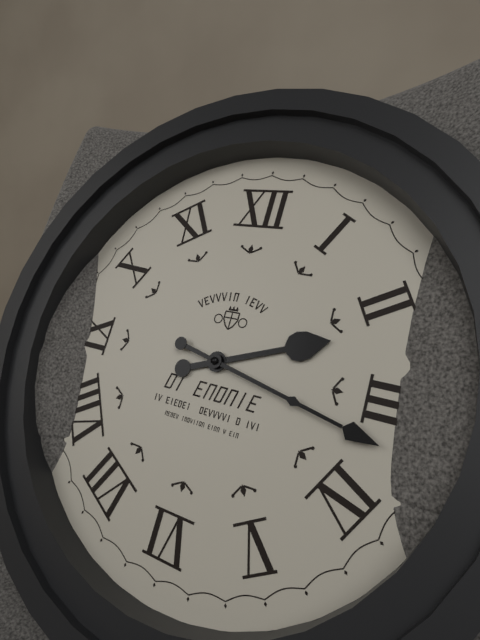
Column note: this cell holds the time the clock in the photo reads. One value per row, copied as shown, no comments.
2:17
